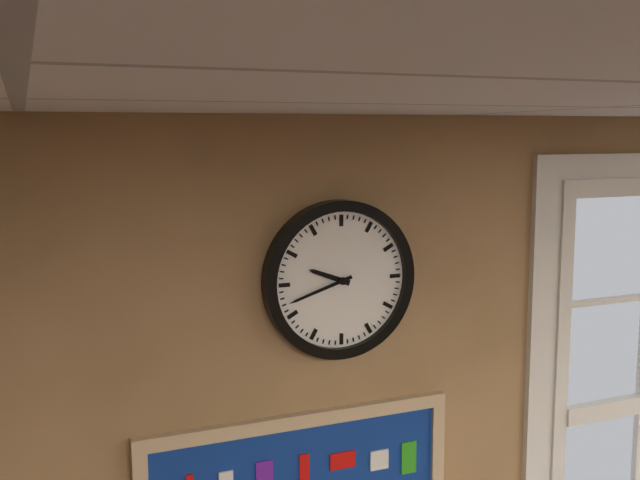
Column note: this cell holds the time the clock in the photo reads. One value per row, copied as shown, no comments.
9:42
